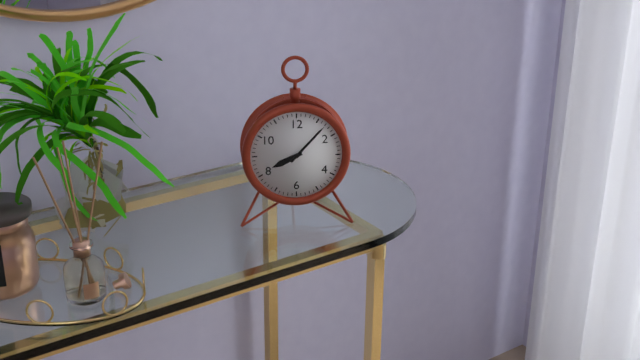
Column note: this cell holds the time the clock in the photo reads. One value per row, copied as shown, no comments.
8:07
